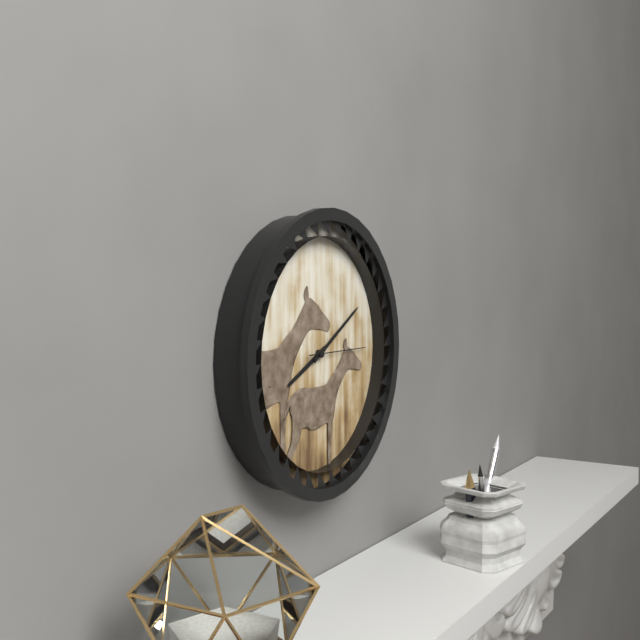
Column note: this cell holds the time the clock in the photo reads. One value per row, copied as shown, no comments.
8:10:15
